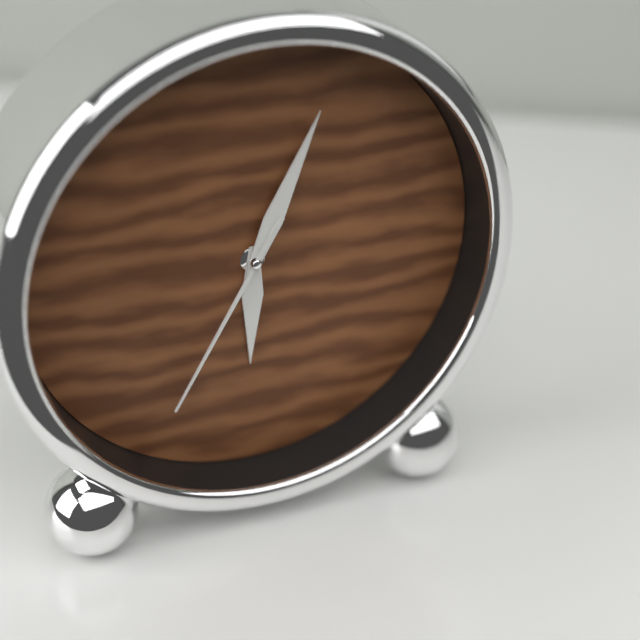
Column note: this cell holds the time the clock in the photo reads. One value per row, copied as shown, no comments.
6:04:35
